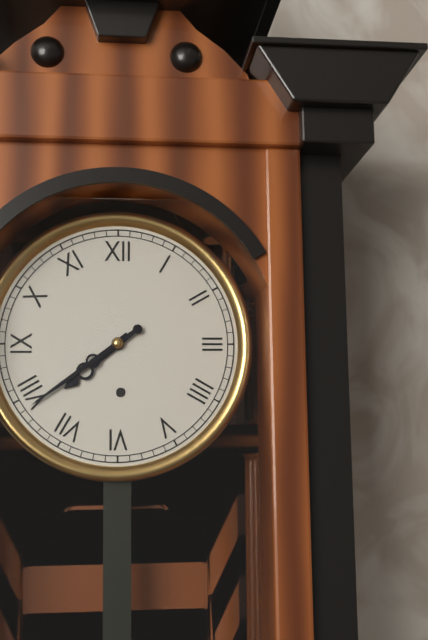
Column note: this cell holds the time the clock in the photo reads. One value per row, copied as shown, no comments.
7:39
